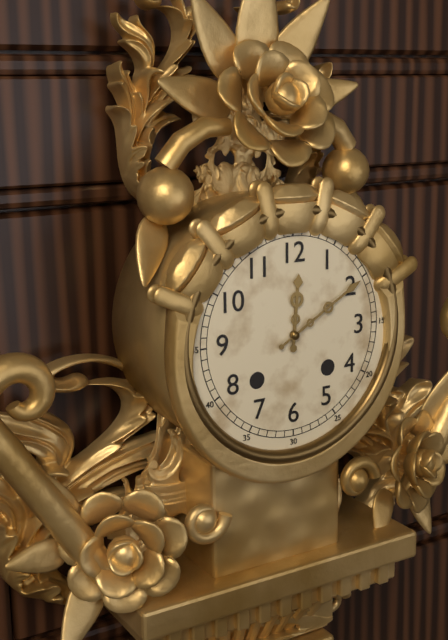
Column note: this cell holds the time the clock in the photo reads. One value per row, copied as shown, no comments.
12:10
